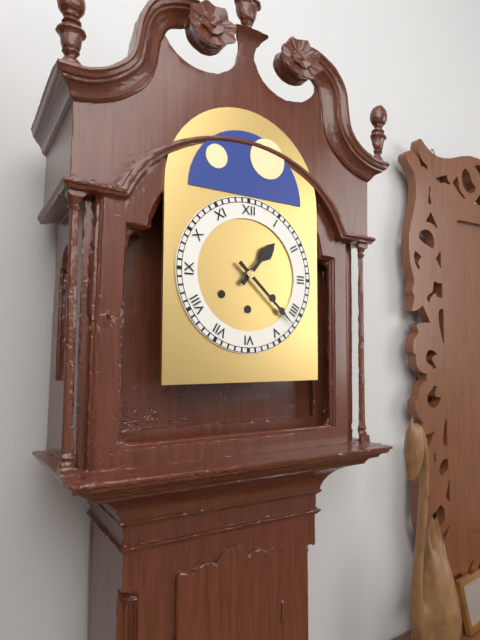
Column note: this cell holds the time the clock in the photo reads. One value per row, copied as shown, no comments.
1:22
